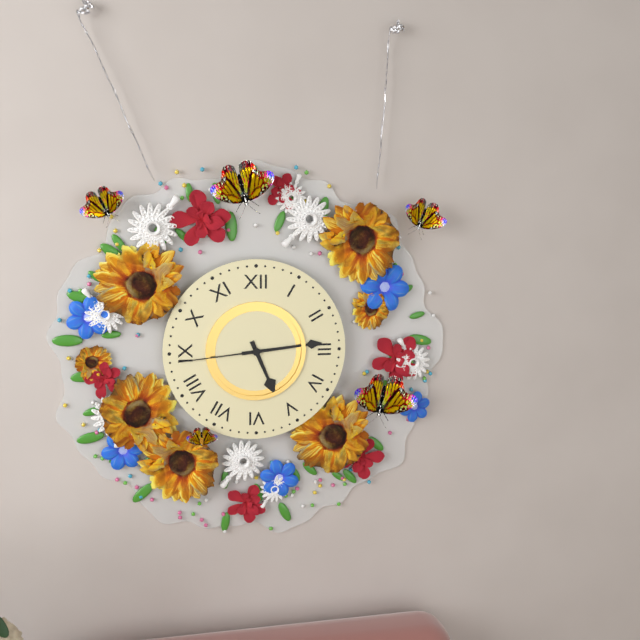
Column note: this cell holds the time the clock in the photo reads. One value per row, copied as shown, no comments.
5:14:44
